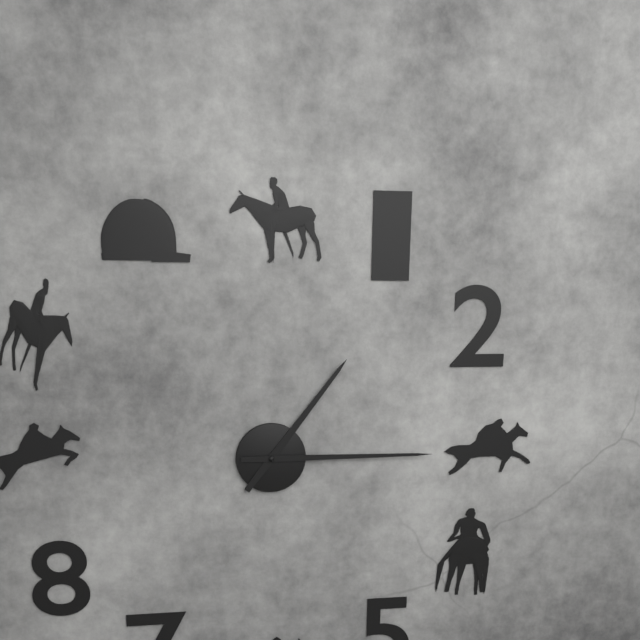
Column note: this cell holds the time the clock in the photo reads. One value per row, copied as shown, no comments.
1:15
